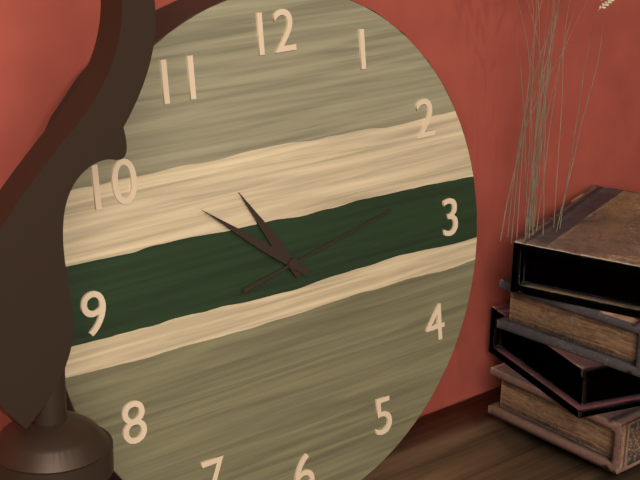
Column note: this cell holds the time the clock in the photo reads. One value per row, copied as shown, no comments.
10:51:13
